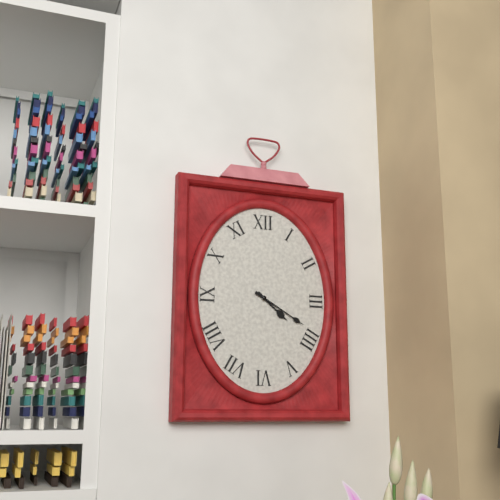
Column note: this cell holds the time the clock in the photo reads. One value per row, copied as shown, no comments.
4:20
